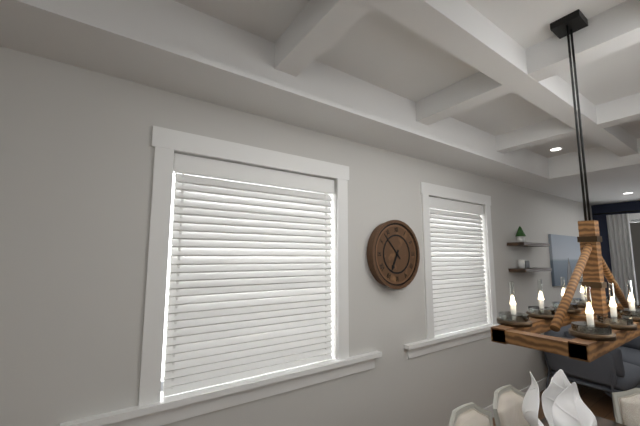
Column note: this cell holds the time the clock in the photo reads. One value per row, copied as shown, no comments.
6:53
